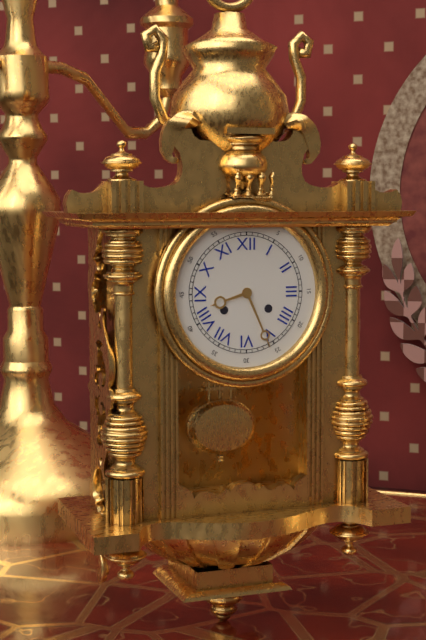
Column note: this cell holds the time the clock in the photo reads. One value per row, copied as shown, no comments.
8:26
